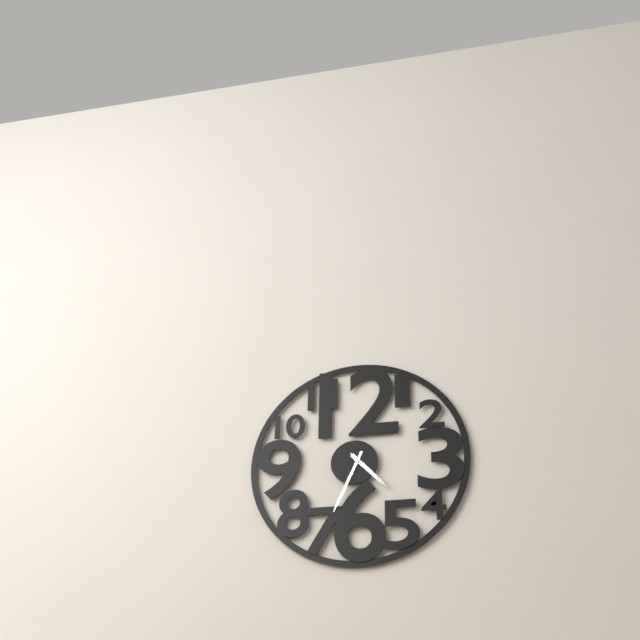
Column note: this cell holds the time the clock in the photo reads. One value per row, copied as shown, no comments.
4:34
